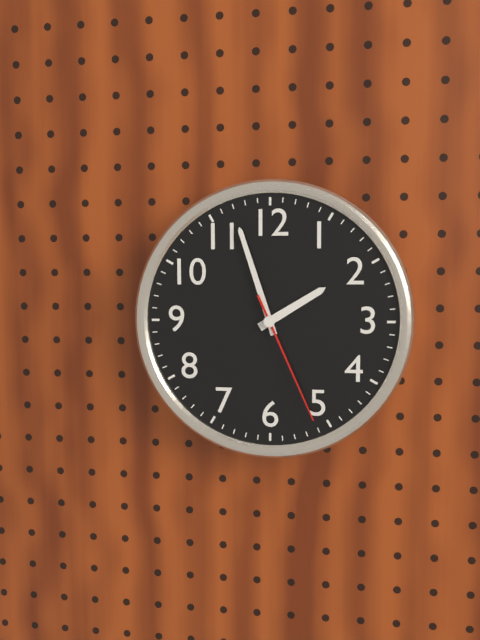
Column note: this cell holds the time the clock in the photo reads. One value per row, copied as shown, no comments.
1:57:26
